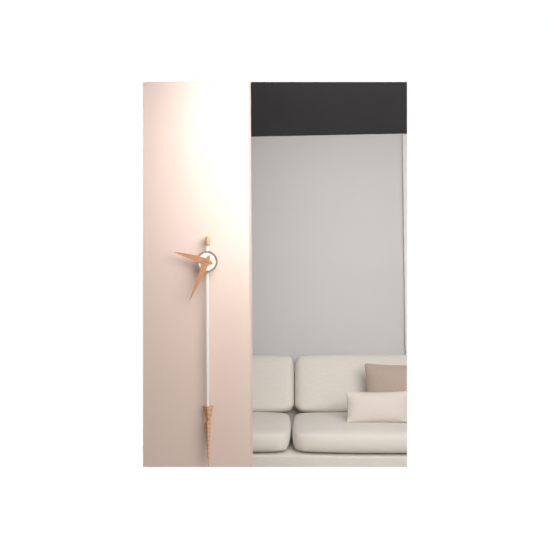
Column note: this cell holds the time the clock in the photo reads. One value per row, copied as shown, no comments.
9:34
